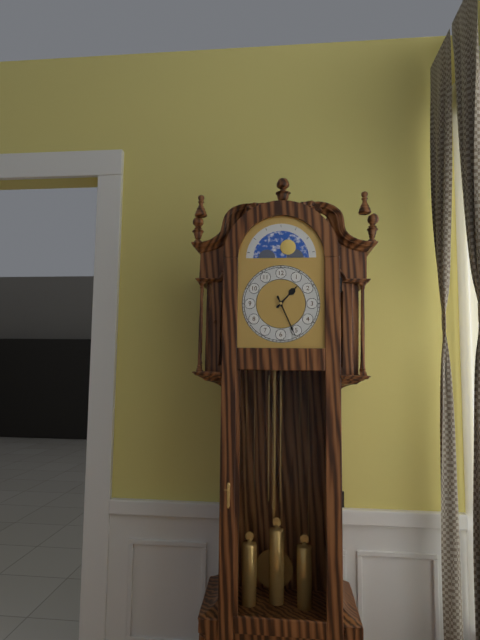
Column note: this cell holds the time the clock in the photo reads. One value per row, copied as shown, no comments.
1:26
